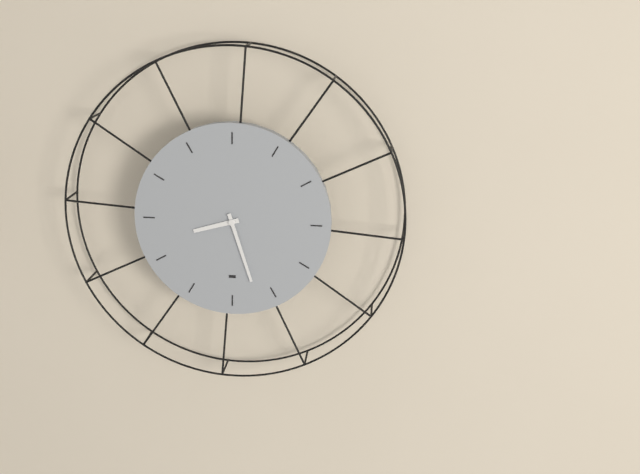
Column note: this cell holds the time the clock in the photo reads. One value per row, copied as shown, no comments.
8:27
